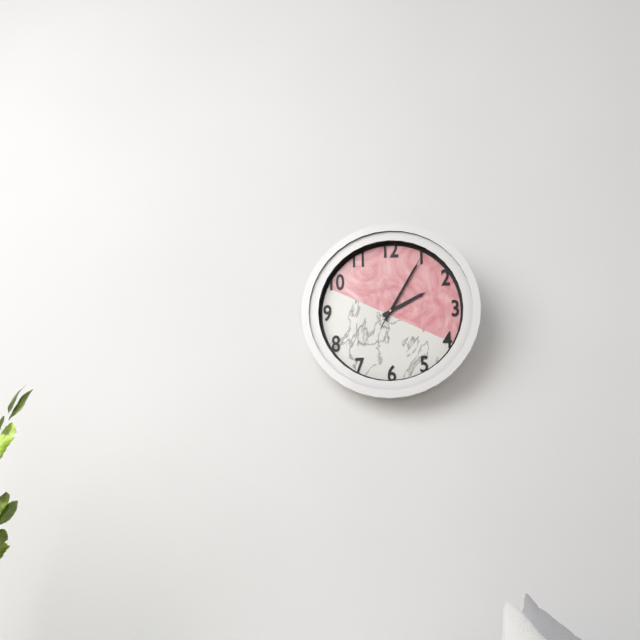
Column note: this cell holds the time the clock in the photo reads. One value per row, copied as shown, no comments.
2:05:05
